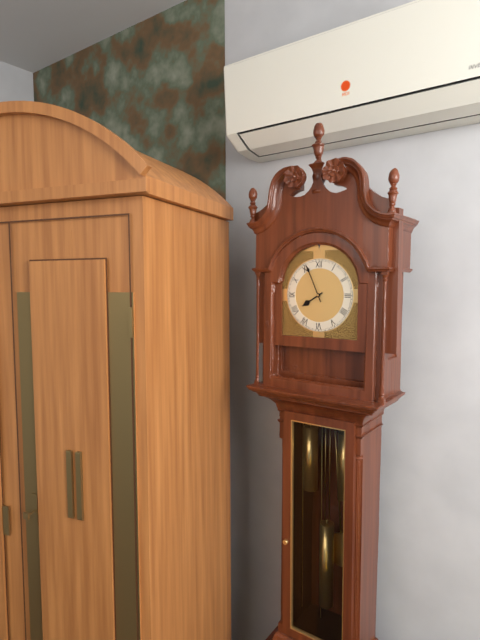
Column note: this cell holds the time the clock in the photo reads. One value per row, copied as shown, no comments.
7:56
